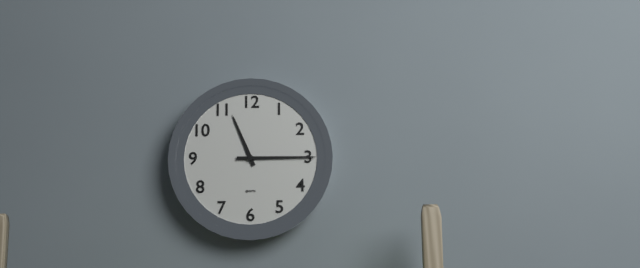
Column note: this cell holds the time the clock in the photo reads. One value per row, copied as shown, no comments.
11:15
